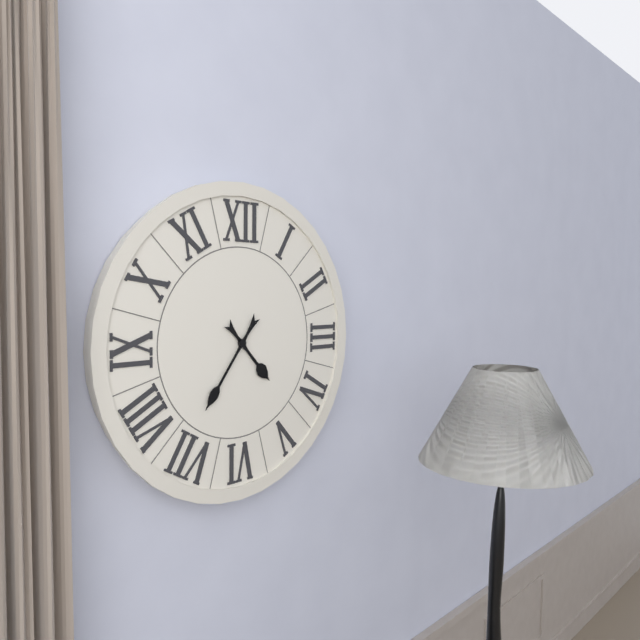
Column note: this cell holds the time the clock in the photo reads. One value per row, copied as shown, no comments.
4:36
